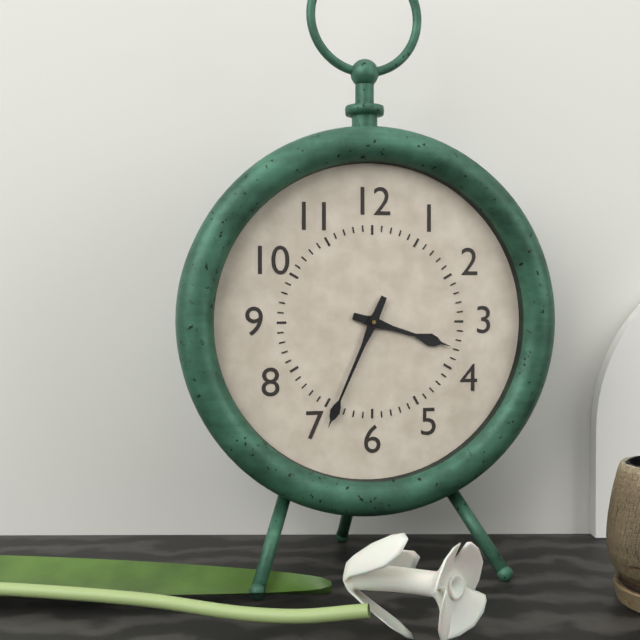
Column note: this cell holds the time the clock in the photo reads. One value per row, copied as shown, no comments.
3:34
